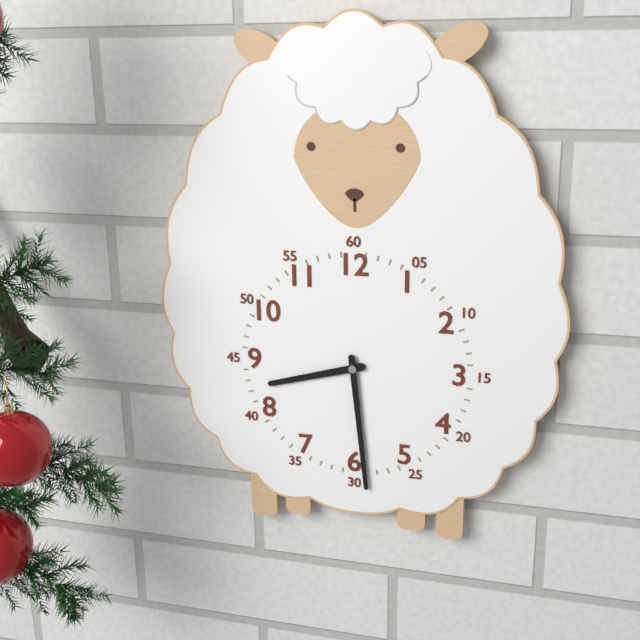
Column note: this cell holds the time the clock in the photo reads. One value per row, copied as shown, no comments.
8:29
